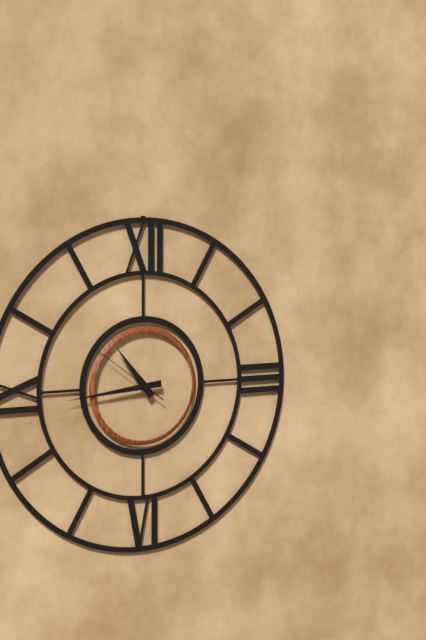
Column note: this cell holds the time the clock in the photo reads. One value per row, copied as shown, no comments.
10:44:51
